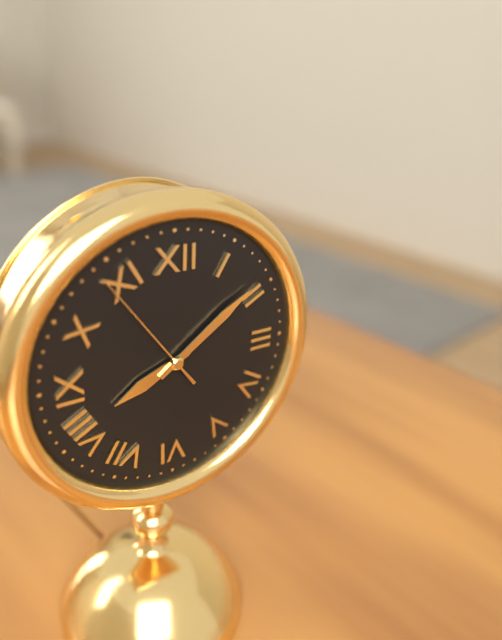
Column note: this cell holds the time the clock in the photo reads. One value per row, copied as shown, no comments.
8:09:54
